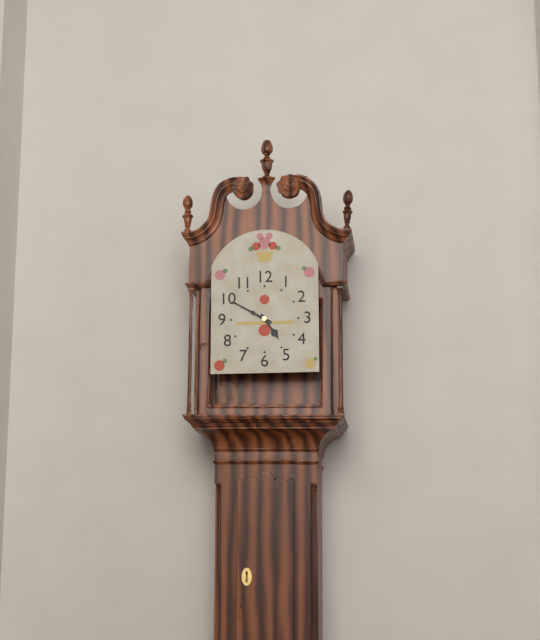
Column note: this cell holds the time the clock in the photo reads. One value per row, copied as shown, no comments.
4:50
